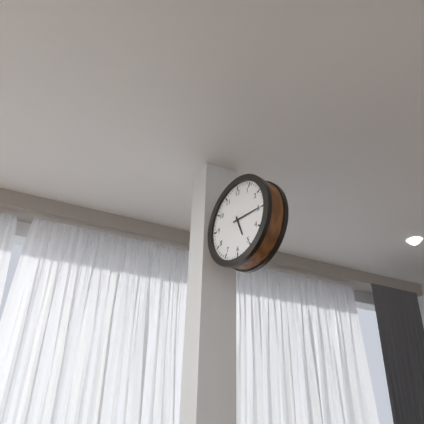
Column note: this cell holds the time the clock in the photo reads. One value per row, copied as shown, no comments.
5:15
